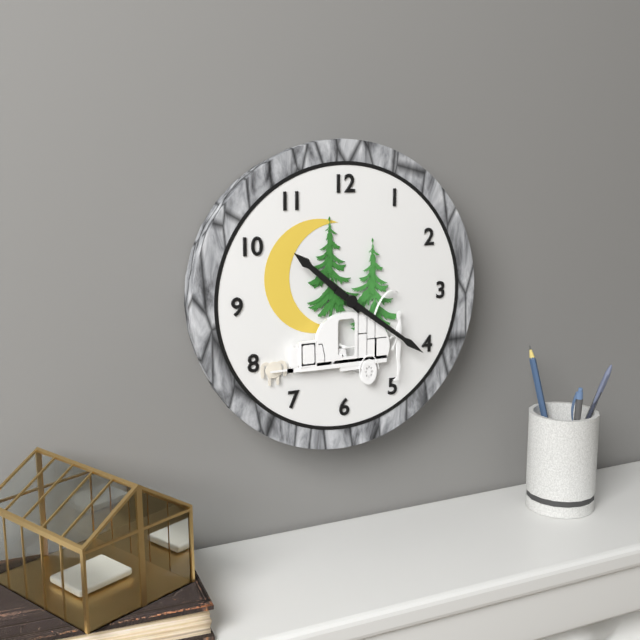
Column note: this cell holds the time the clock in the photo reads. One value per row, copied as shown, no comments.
10:21
